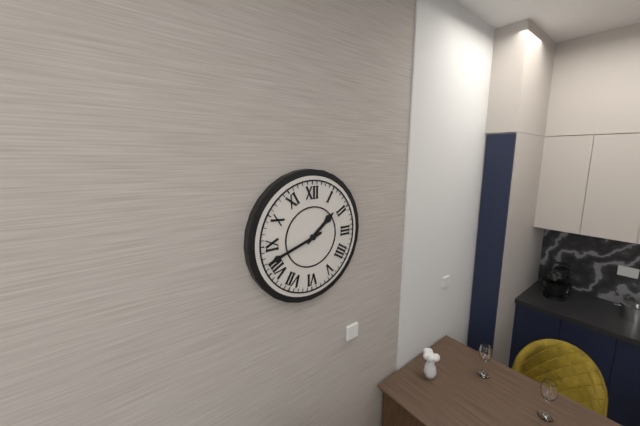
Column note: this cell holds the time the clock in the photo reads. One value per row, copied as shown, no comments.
1:42
